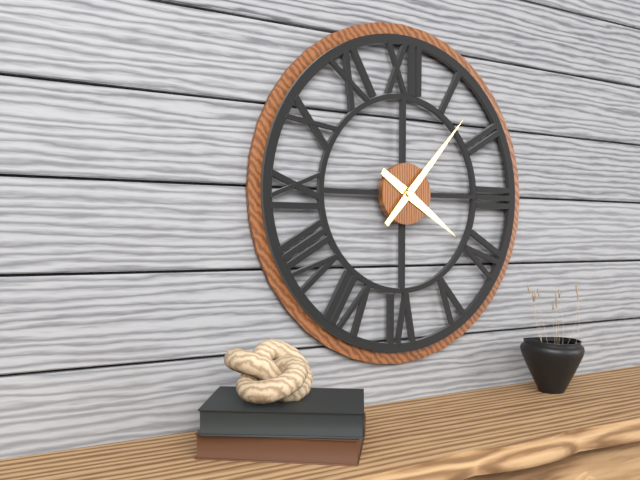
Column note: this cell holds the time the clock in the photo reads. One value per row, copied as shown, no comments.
4:07
